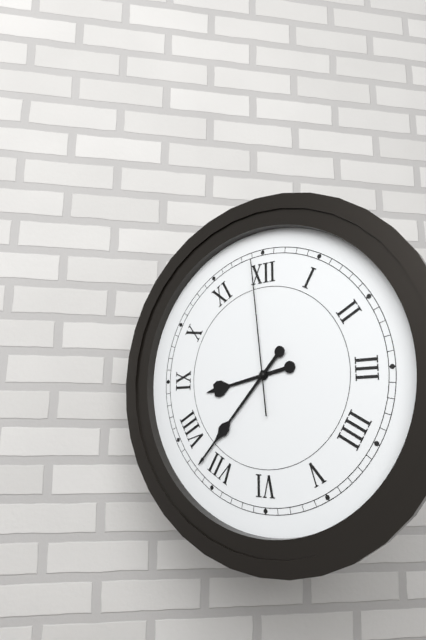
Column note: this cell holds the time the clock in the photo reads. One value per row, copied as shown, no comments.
8:37:59
